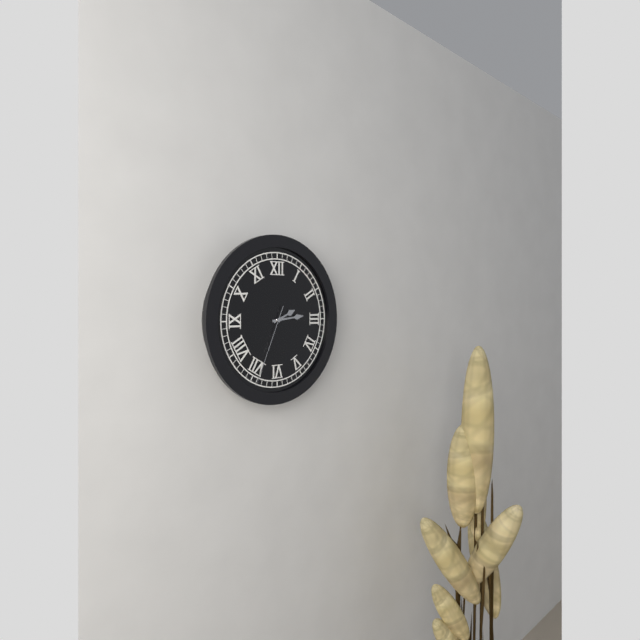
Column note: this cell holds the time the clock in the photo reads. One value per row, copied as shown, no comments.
2:14:34
